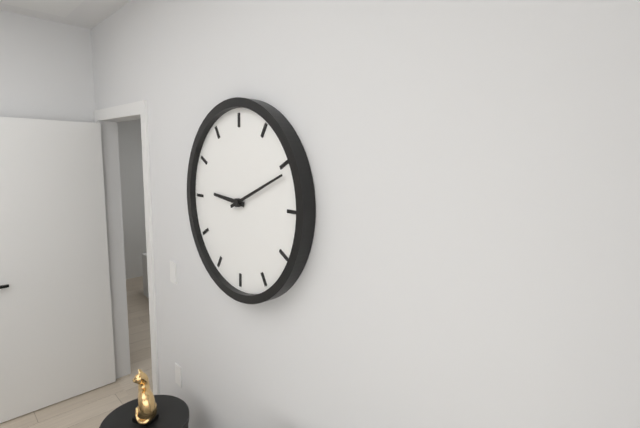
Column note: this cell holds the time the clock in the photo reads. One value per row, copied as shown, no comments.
9:11
